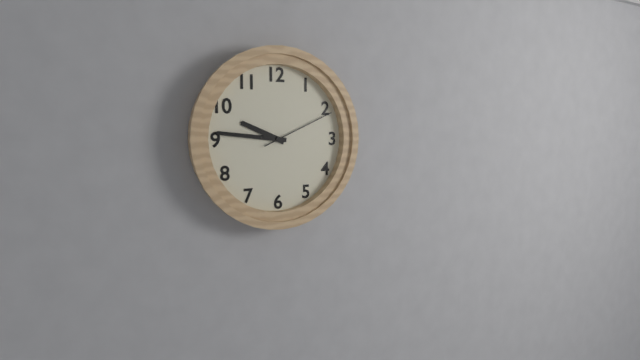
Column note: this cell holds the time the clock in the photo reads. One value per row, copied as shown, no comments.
9:46:11
